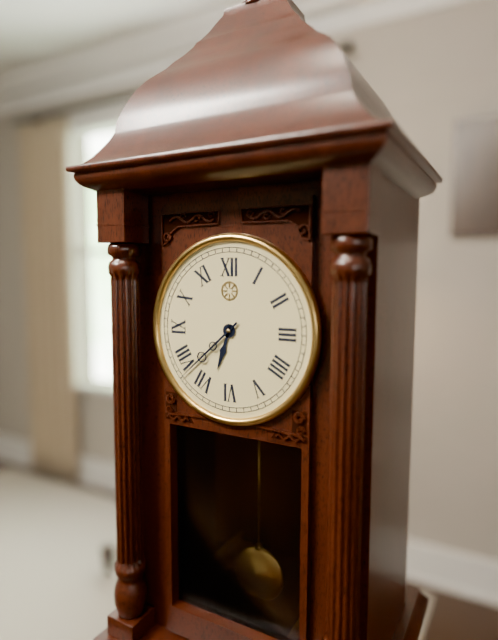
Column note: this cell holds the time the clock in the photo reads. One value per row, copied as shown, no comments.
6:38
